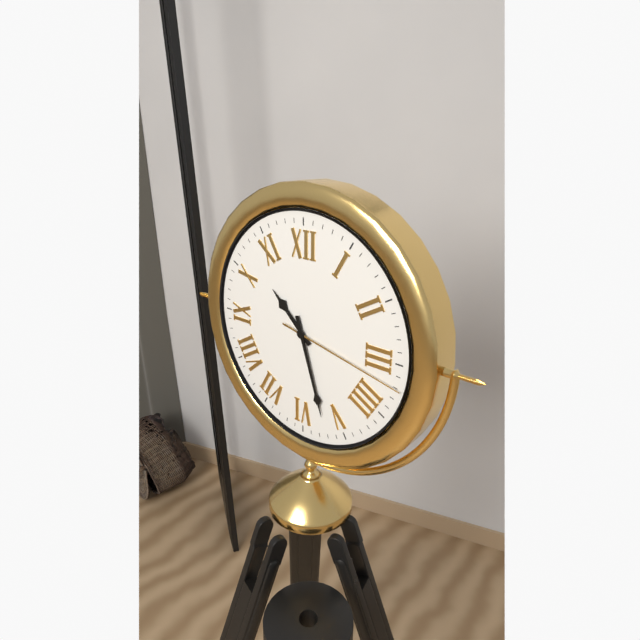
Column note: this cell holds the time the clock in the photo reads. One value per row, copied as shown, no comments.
10:27:17
